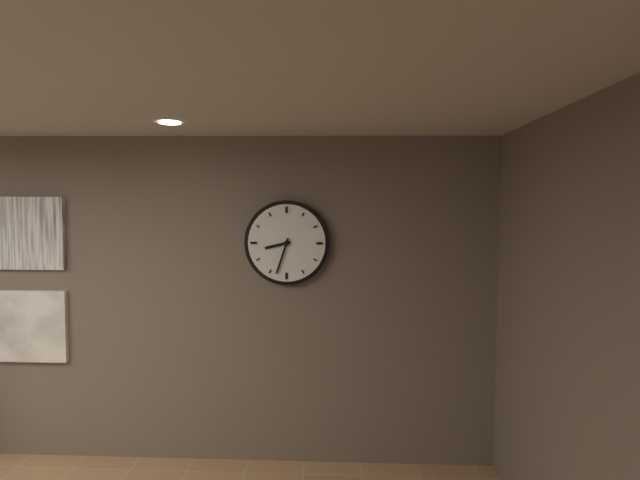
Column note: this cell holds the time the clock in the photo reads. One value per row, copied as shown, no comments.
8:33
